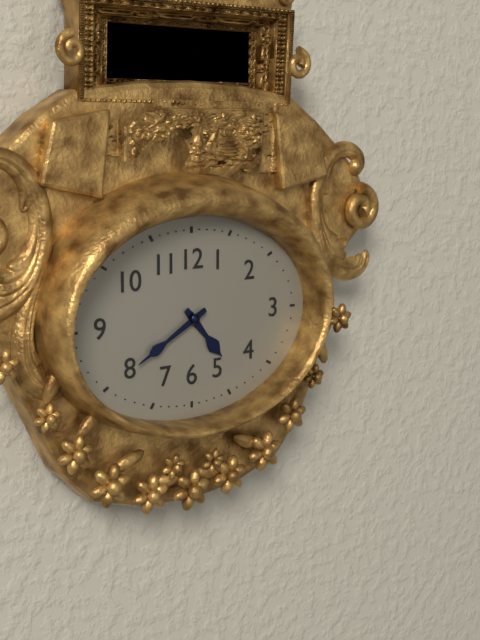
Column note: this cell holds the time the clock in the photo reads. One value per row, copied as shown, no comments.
4:40
